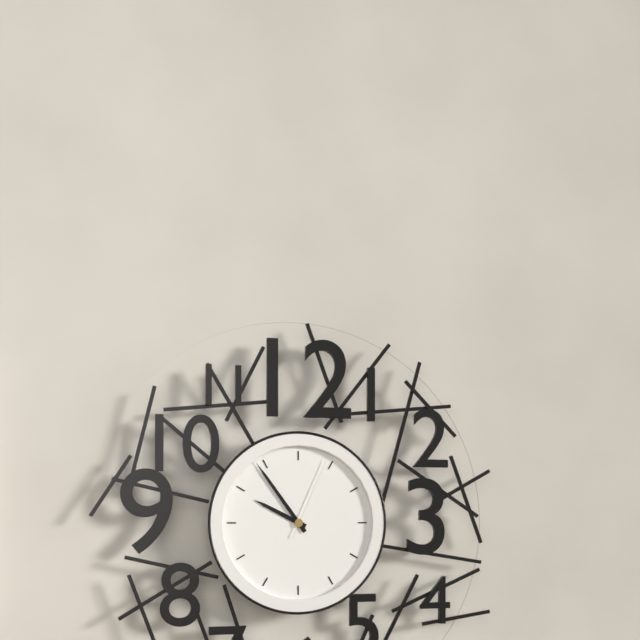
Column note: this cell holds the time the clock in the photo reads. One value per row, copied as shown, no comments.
9:54:04
